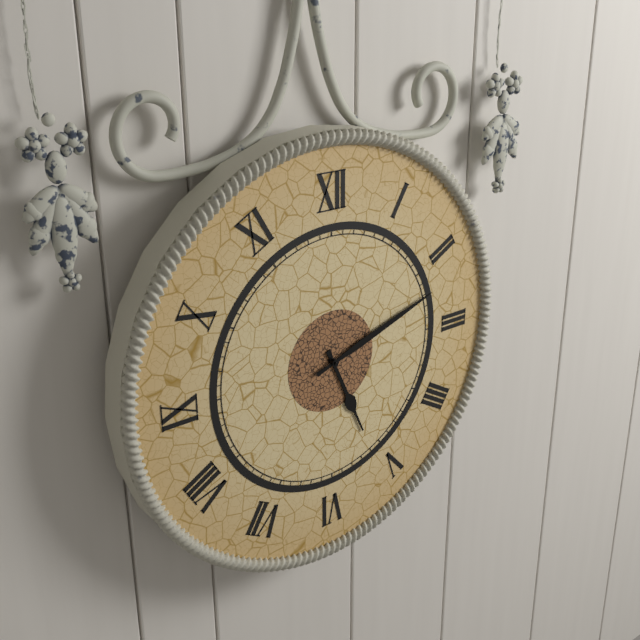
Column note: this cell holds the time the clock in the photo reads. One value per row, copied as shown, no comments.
5:12
